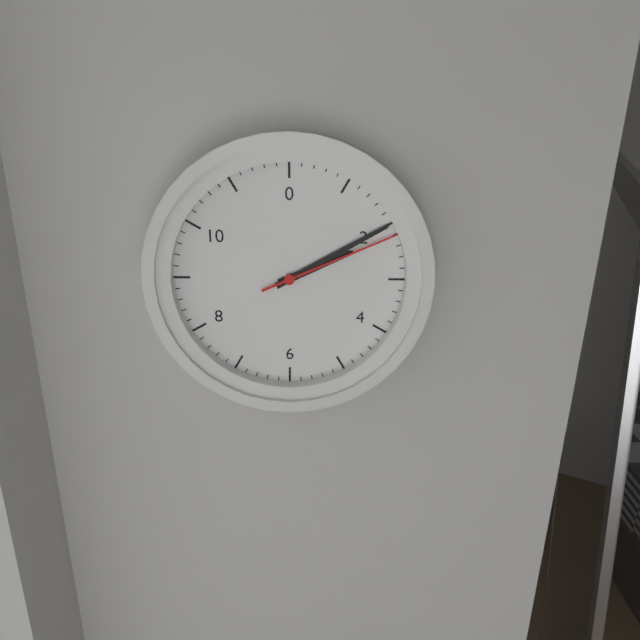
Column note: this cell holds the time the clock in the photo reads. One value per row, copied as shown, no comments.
2:10:11
